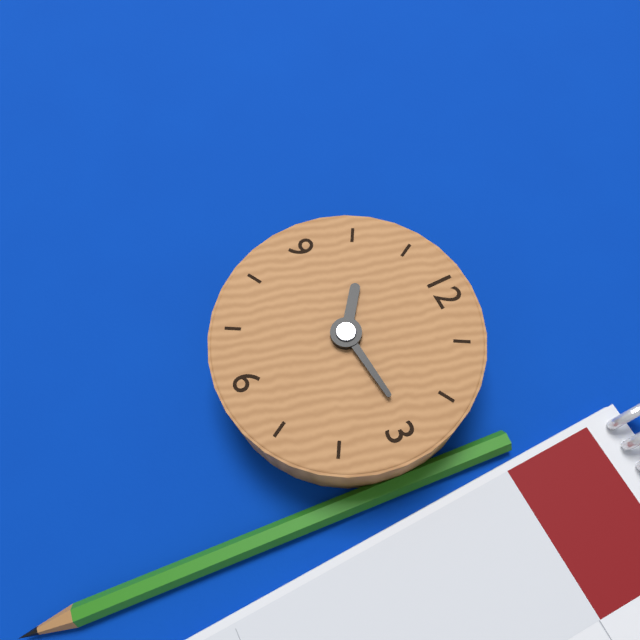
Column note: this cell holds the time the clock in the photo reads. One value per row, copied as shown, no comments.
10:14
